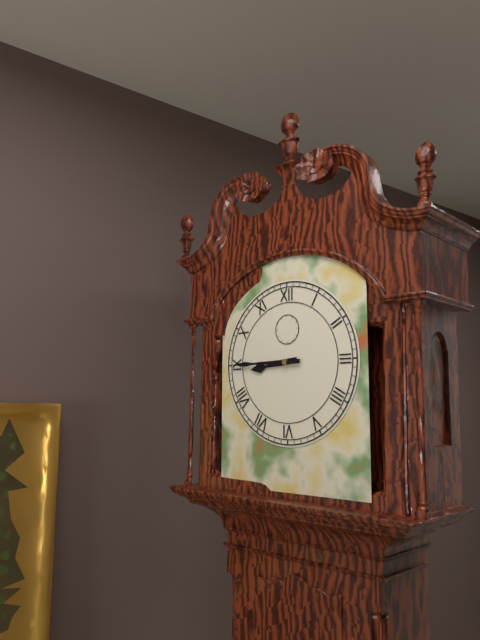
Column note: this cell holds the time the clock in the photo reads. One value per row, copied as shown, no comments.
8:45
